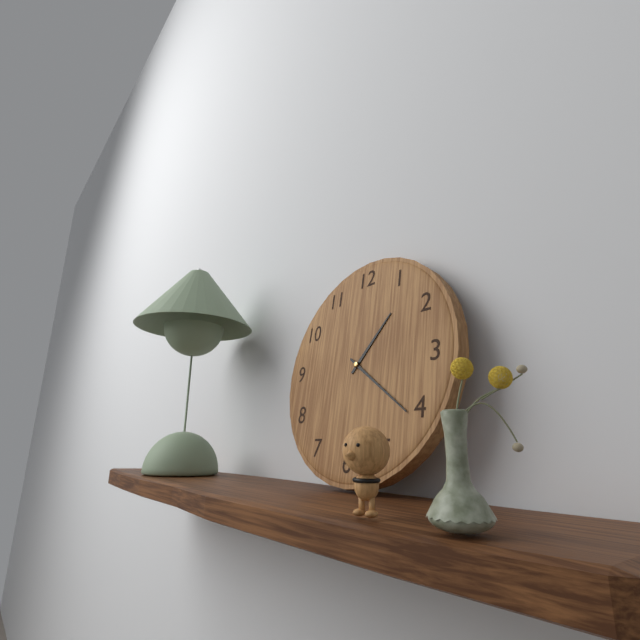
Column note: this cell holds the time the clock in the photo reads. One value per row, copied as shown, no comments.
1:21
